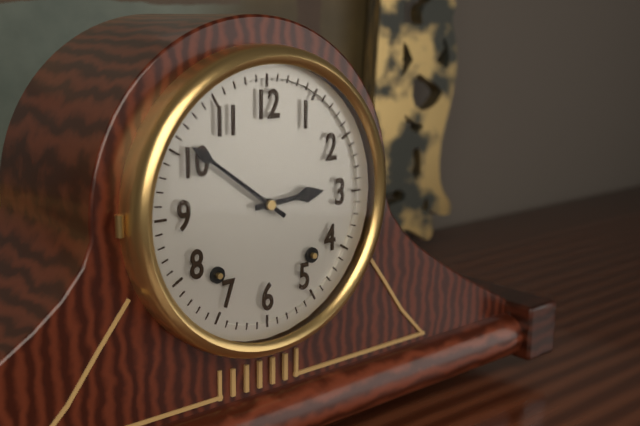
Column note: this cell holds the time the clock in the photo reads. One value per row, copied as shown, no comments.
2:51
